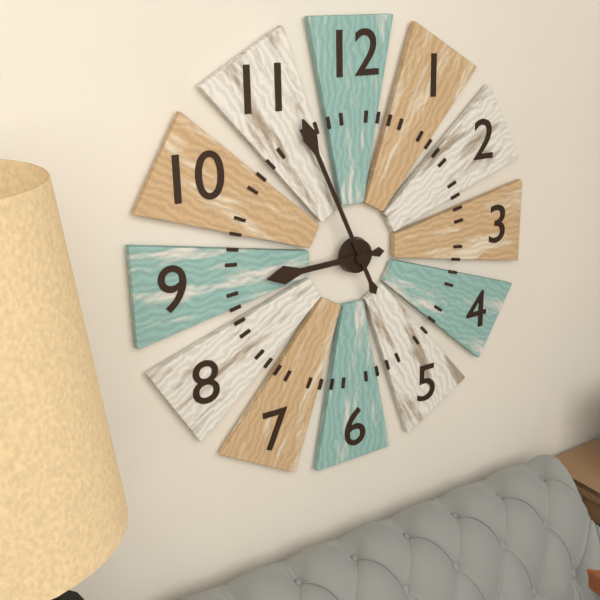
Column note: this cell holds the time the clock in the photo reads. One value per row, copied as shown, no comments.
8:56
